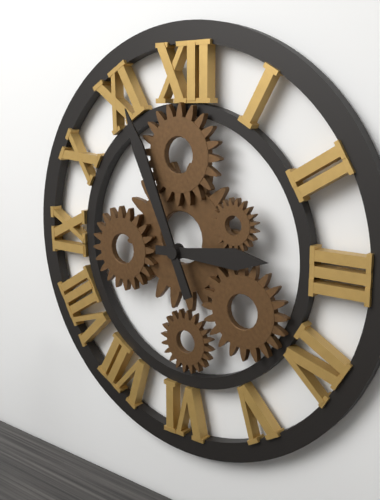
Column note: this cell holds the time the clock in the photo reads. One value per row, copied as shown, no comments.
2:56
